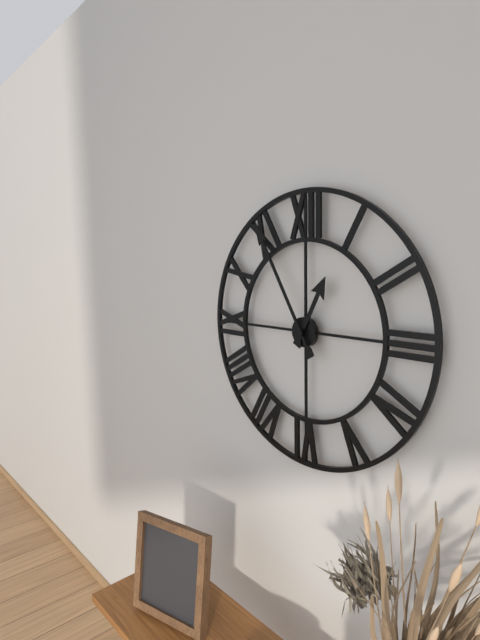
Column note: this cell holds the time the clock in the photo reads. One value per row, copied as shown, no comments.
12:55
